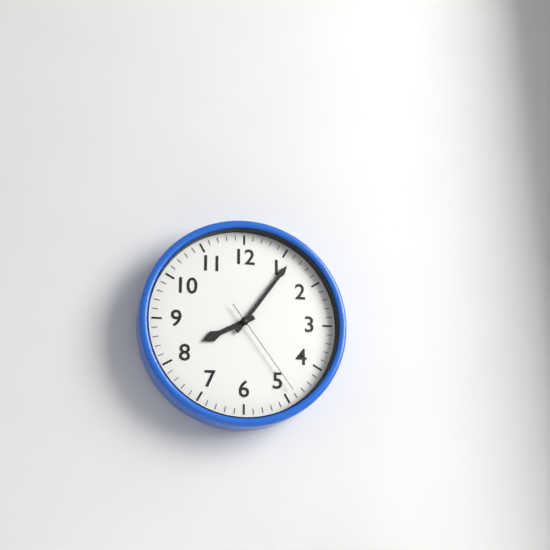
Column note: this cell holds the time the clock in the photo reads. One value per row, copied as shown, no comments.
8:06:24
